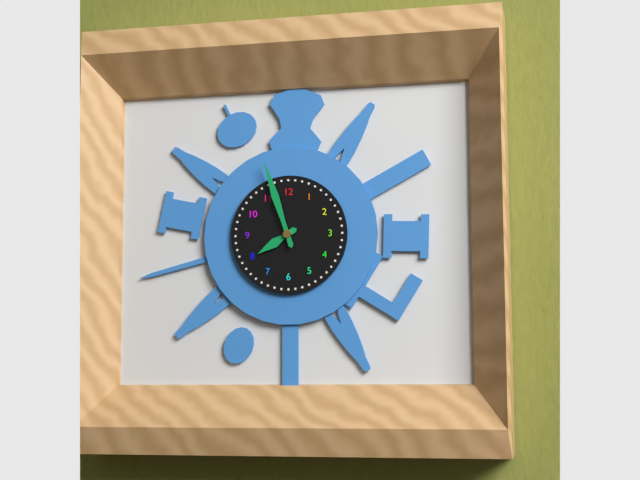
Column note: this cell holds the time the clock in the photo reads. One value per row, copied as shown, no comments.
7:57
